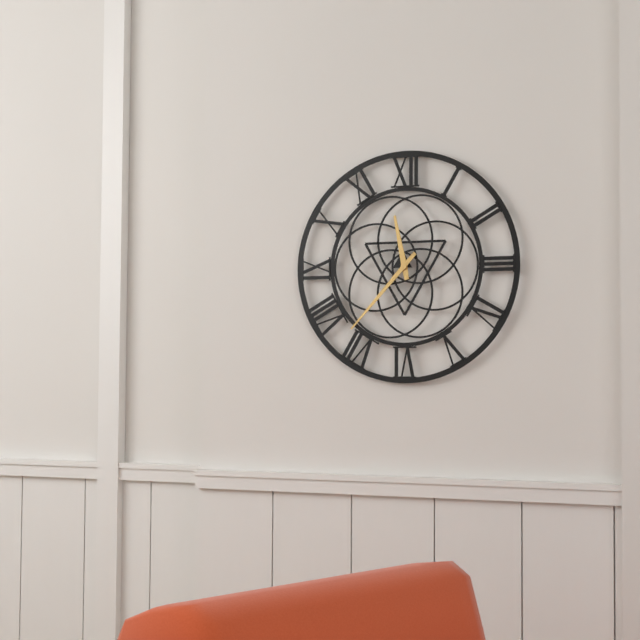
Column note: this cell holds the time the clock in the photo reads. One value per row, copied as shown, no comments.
11:37
